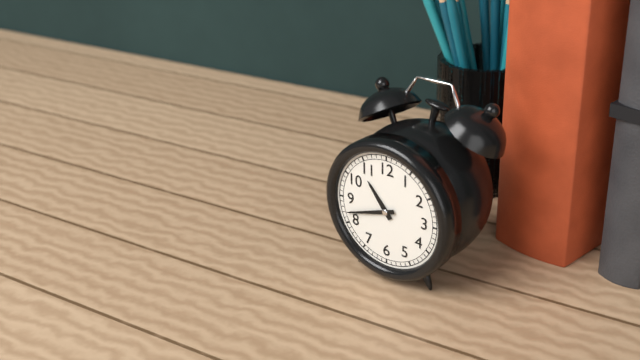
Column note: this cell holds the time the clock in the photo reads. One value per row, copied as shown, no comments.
10:42
